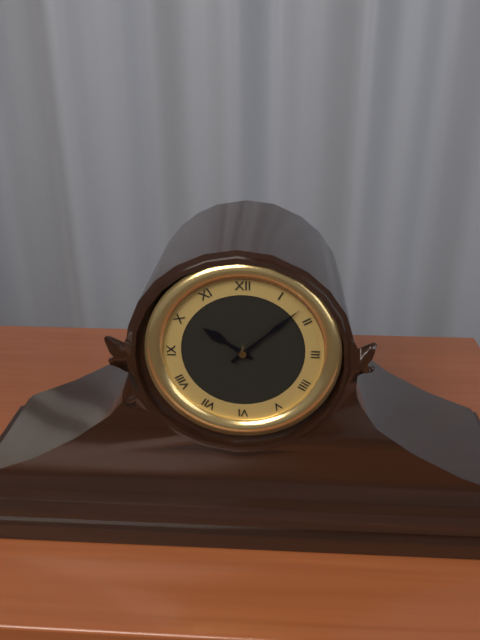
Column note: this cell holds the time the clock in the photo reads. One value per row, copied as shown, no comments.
10:08
